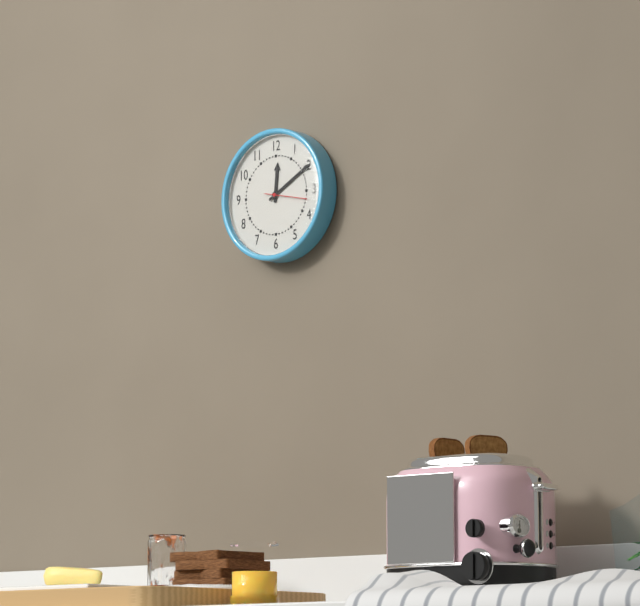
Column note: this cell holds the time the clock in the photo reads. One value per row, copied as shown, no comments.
12:10
